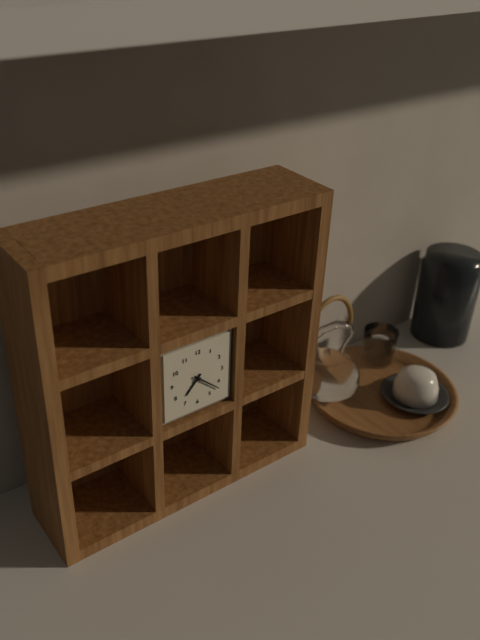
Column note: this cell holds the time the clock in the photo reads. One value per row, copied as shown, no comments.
7:22
